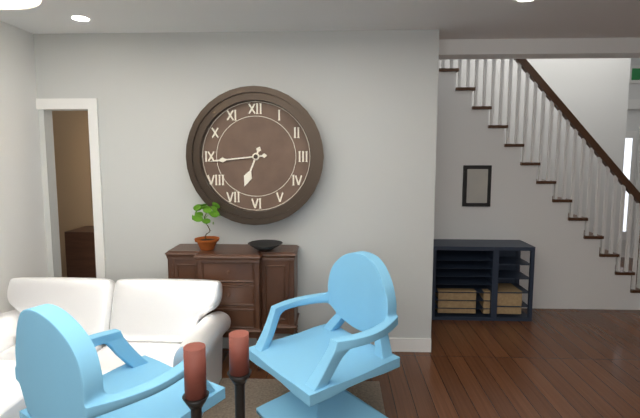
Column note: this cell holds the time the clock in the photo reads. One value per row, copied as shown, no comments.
6:44
